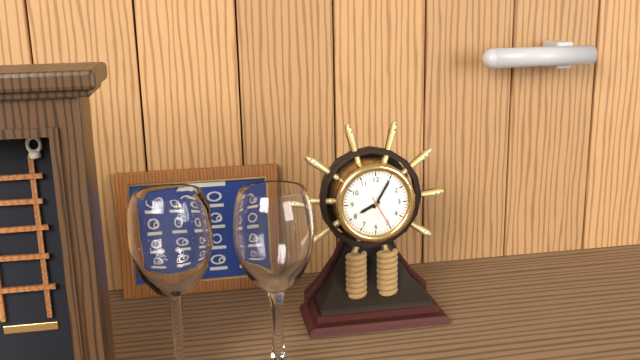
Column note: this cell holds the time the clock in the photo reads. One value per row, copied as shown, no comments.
8:05
